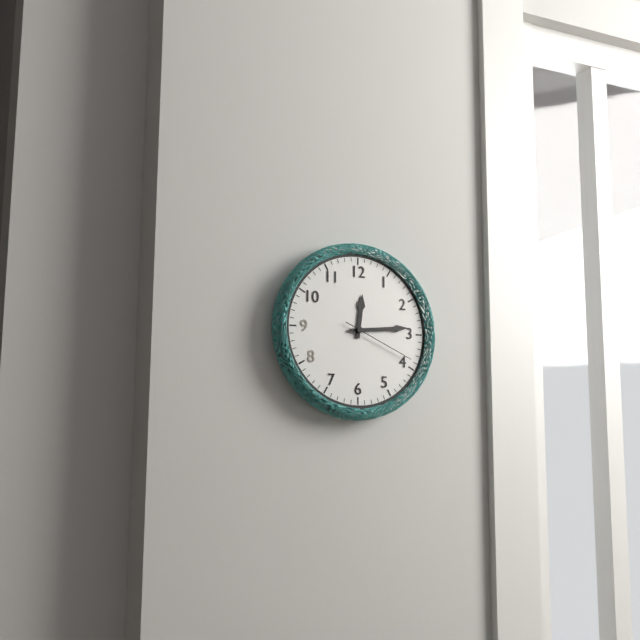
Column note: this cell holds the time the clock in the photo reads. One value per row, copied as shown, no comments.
12:14:19
